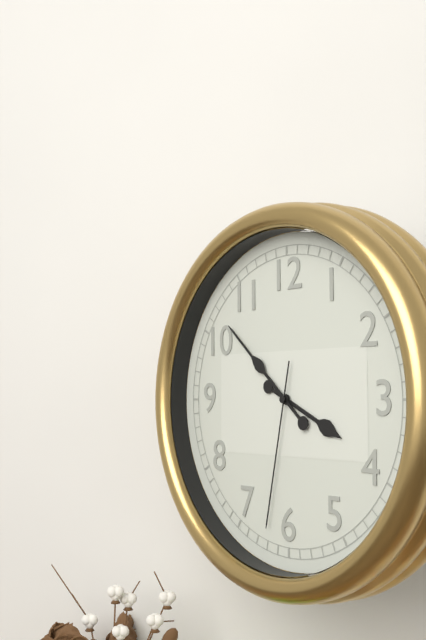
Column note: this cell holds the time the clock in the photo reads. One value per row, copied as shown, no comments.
3:52:32
